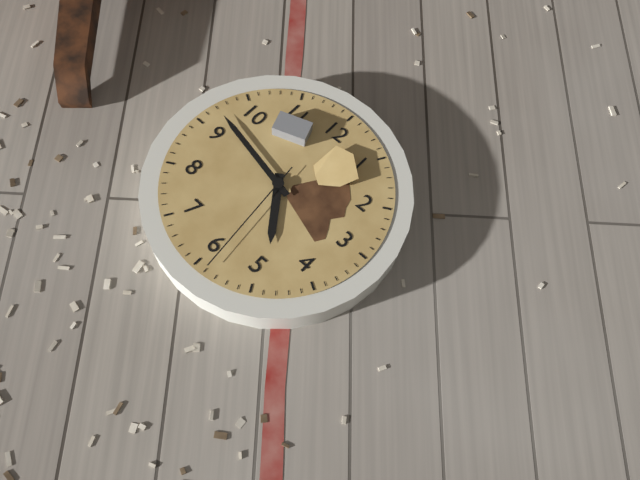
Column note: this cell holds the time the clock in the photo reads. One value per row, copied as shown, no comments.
4:47:29
